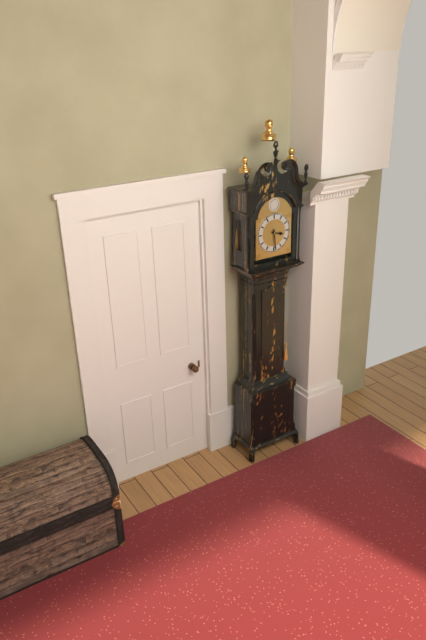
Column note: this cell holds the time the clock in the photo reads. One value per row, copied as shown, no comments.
3:29
